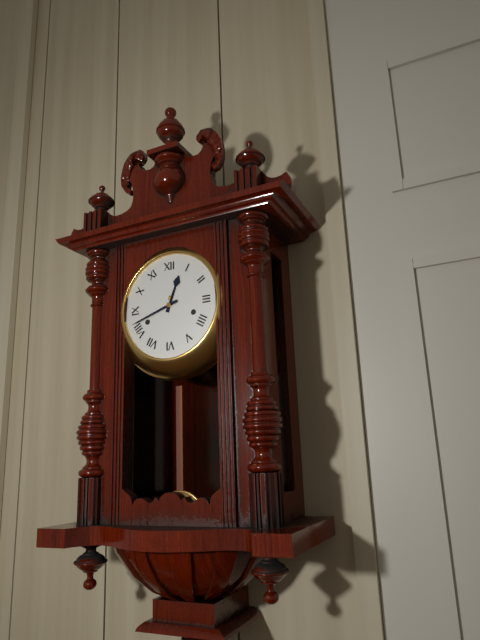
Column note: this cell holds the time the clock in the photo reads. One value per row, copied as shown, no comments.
12:42
